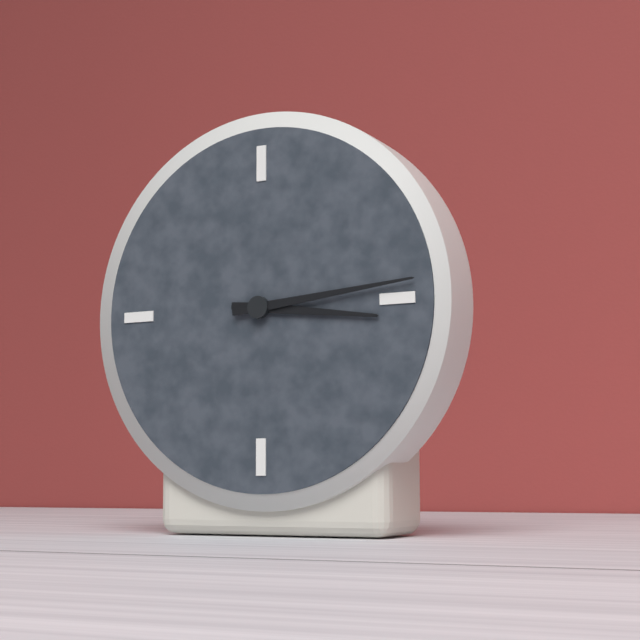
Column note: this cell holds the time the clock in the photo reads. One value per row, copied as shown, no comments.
3:14
